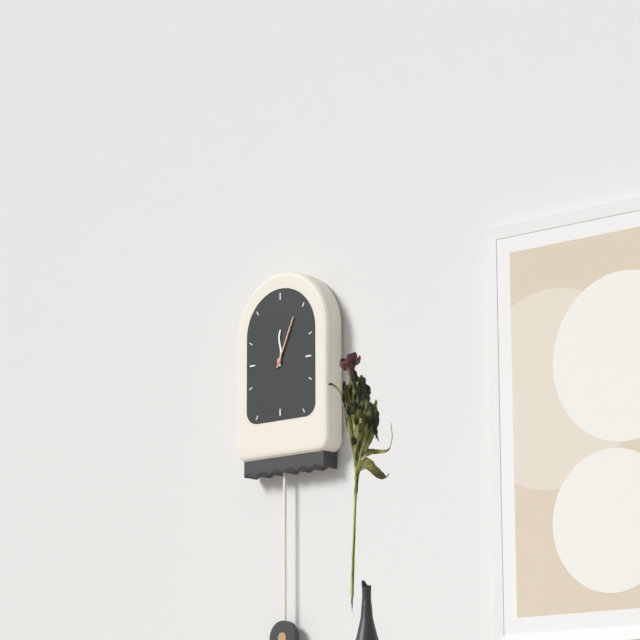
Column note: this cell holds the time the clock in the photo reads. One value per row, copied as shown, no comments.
12:04
